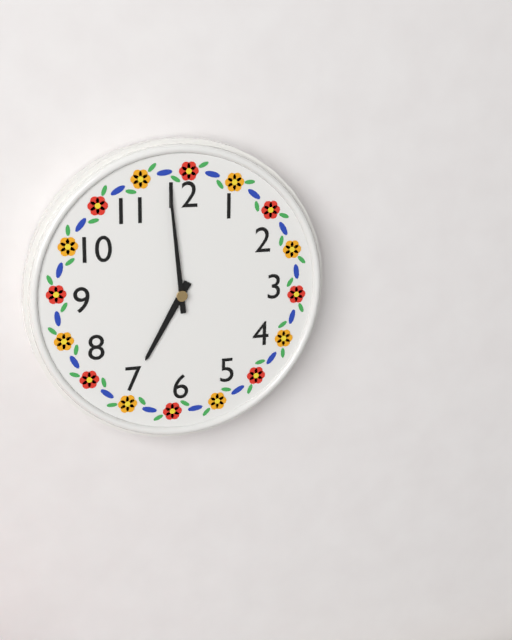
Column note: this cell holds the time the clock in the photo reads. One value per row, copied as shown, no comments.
6:59
